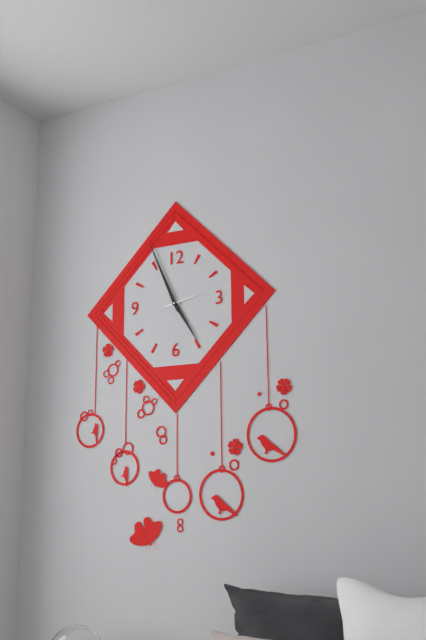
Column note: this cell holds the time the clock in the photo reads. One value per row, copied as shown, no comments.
4:56
